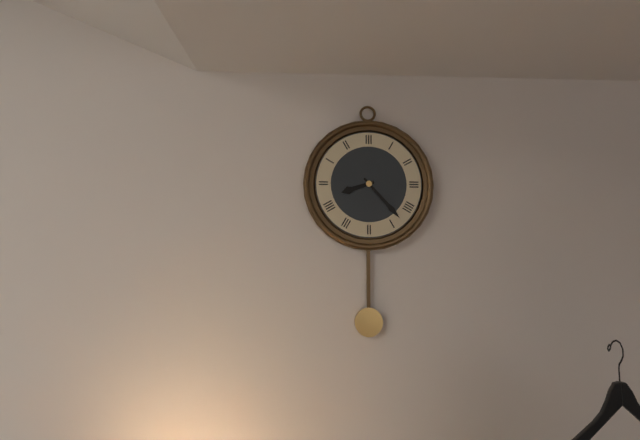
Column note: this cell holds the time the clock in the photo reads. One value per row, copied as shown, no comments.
8:23
